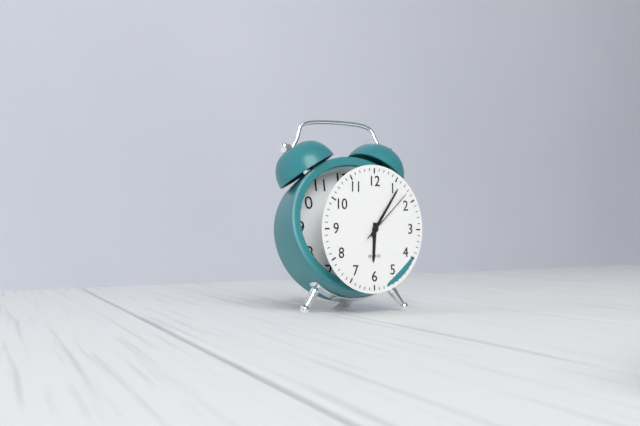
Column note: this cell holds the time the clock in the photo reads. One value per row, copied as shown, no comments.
6:06:08
